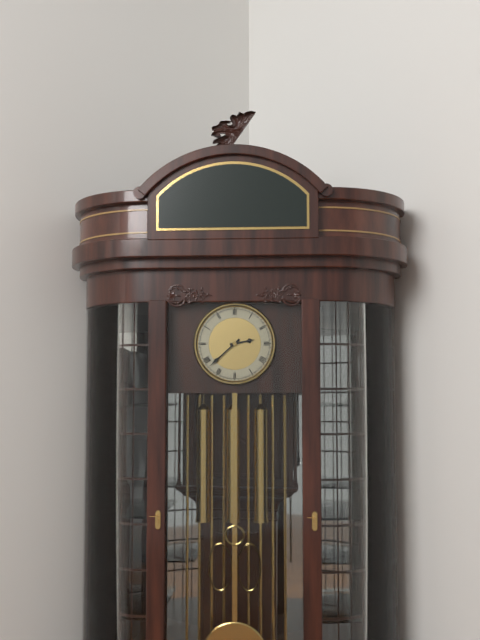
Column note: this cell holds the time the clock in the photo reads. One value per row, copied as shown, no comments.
2:38
